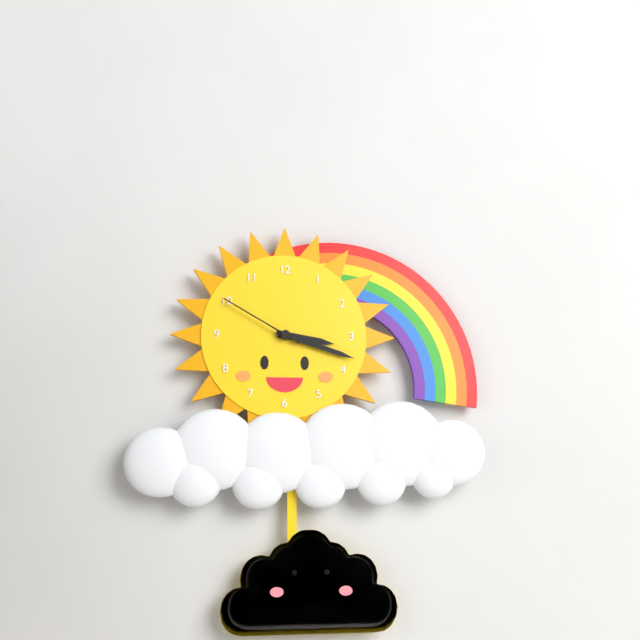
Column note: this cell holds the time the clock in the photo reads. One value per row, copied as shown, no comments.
3:18:50
